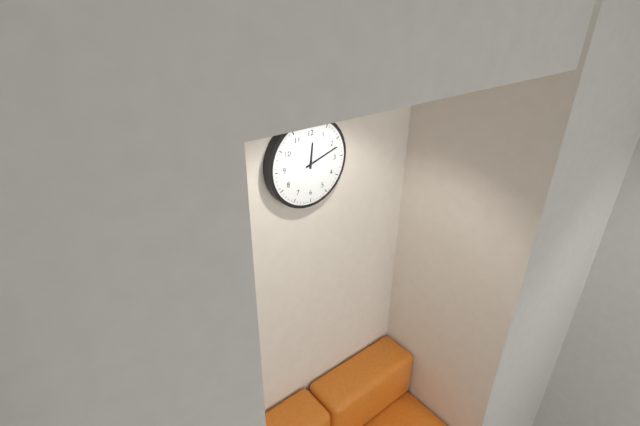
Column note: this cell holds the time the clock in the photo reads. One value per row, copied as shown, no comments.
12:12
